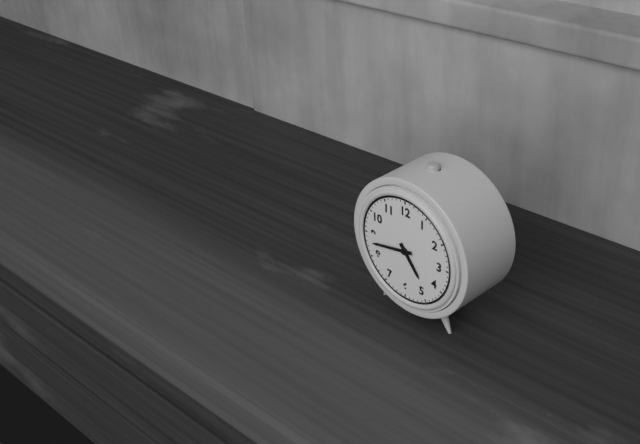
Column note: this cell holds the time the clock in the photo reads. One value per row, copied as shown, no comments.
4:43
